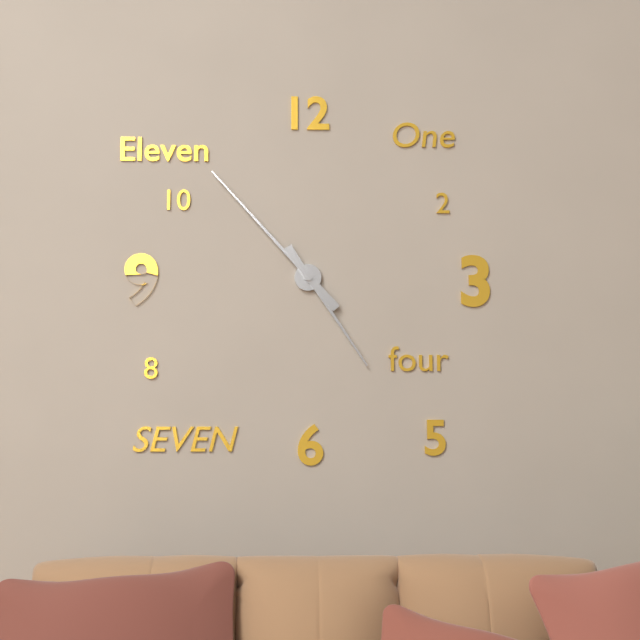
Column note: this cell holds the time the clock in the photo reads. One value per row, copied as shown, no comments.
4:53
